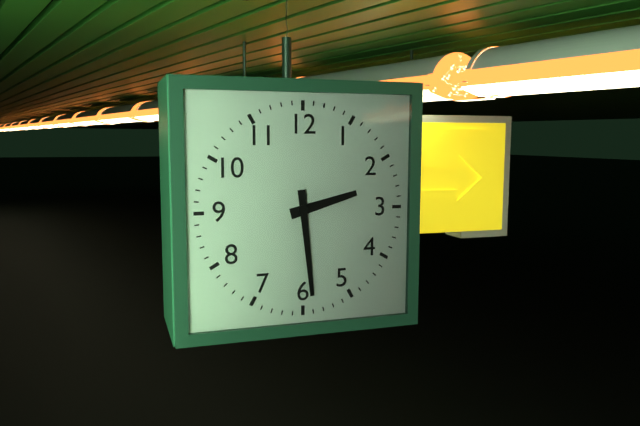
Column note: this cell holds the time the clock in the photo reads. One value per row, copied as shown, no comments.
2:29
